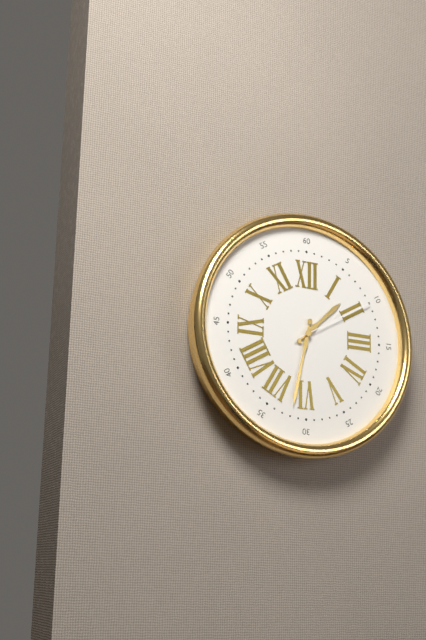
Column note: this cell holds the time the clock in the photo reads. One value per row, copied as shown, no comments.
1:32:10
